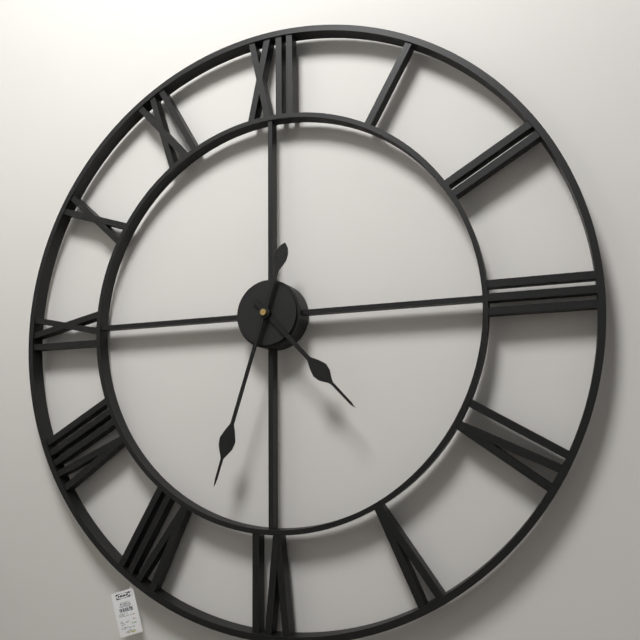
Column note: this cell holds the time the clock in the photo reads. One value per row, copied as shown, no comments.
4:33
